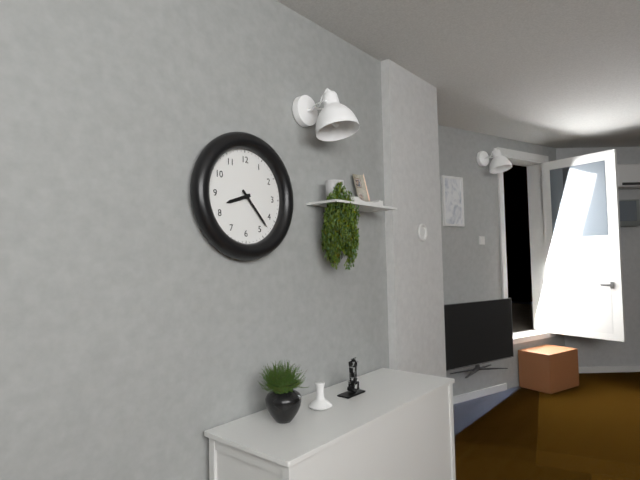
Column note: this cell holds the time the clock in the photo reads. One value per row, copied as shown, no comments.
8:23
